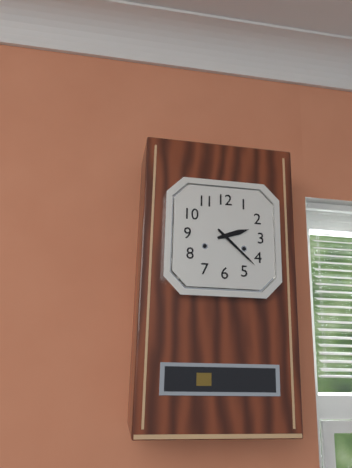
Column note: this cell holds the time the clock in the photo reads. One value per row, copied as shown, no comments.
2:22
